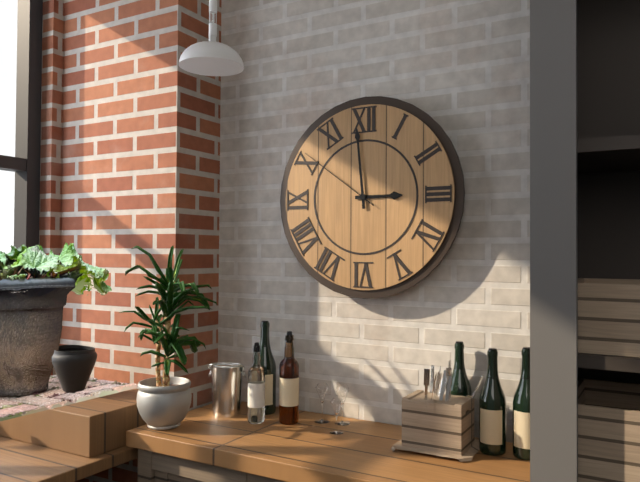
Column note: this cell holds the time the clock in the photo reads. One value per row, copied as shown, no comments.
2:59:51
